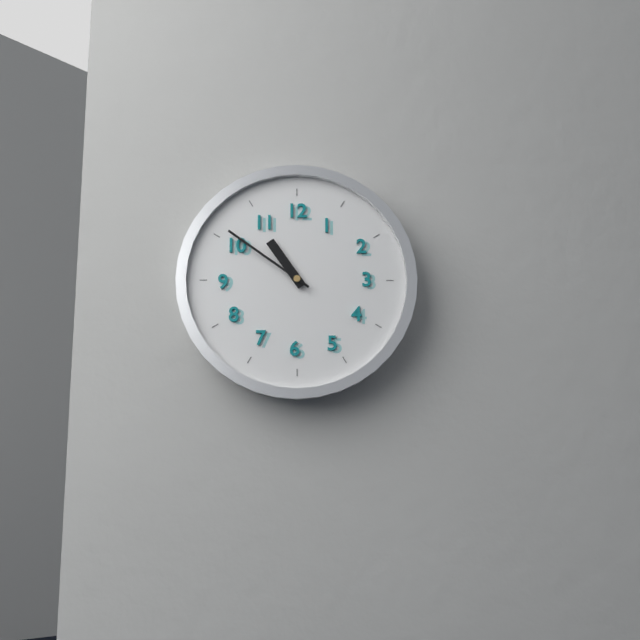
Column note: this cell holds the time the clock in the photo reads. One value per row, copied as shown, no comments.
10:51
